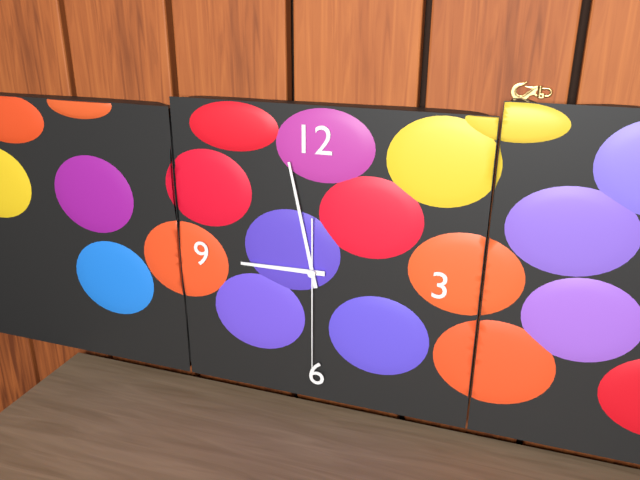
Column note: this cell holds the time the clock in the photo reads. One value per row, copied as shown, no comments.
8:58:30
